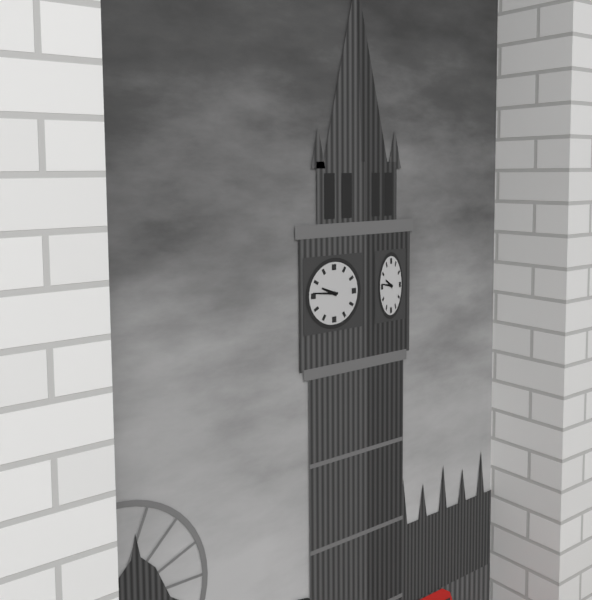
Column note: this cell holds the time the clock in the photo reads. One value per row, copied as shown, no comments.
9:46
